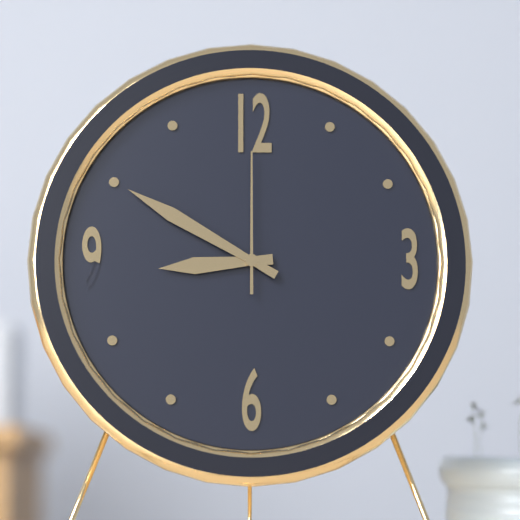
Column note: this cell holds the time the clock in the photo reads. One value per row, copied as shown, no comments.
8:50:00
